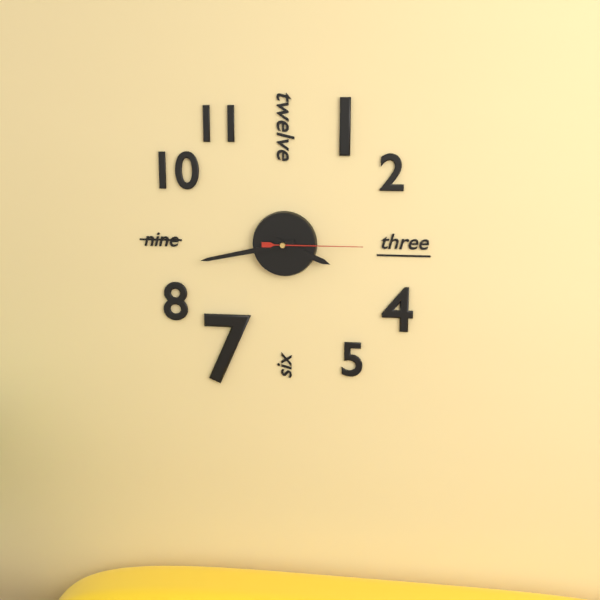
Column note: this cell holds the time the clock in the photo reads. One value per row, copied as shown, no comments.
3:43:15
